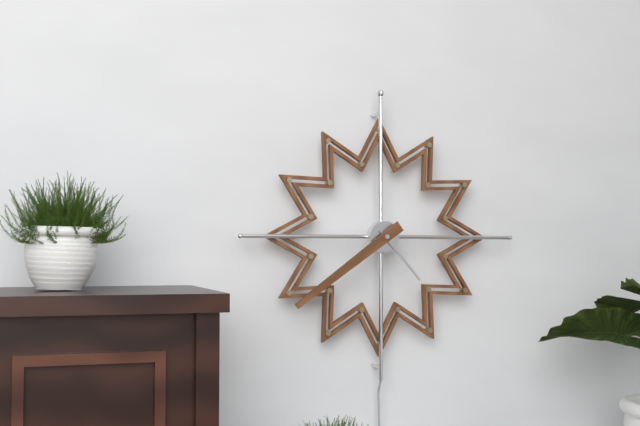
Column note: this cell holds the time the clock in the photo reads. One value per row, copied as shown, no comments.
4:39
